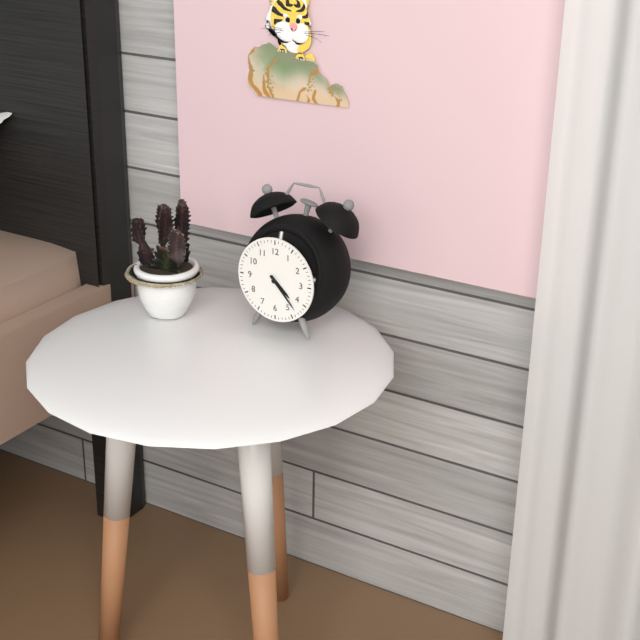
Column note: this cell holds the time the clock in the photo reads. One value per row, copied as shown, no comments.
4:23
